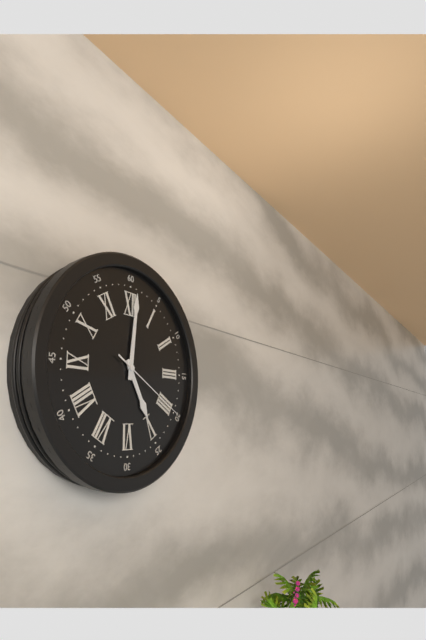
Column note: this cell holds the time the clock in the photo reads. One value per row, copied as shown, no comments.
5:01:20
